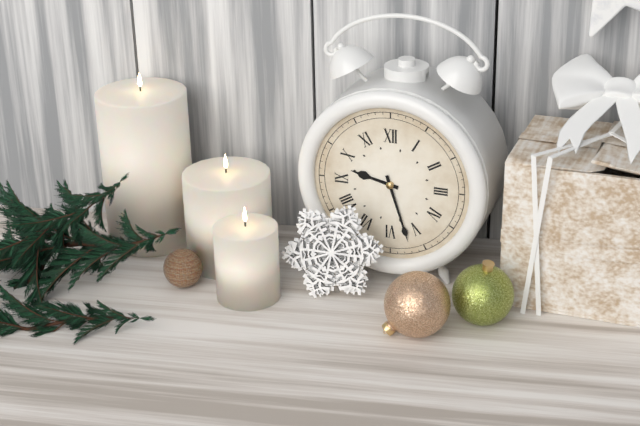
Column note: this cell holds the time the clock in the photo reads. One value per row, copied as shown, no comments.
9:27
